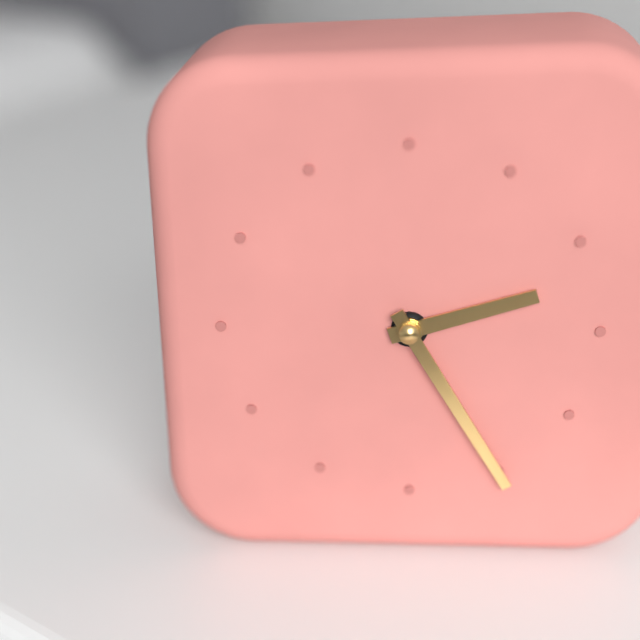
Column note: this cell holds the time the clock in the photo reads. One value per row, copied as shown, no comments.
2:25
